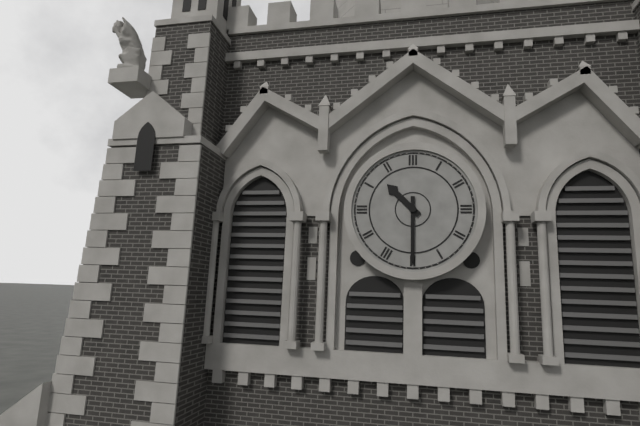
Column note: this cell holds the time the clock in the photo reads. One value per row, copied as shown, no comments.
10:30
